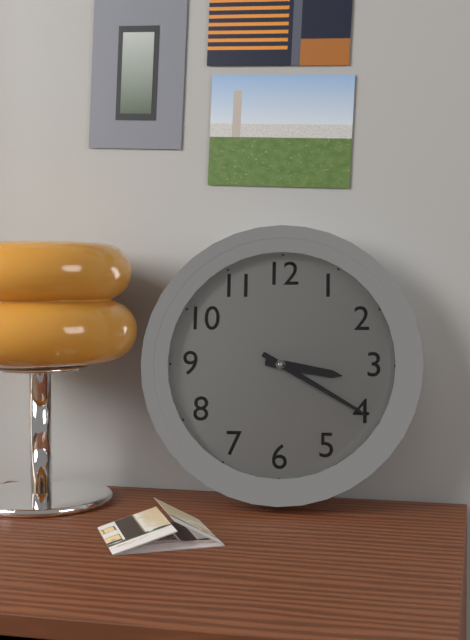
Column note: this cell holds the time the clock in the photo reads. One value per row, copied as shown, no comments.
3:20
